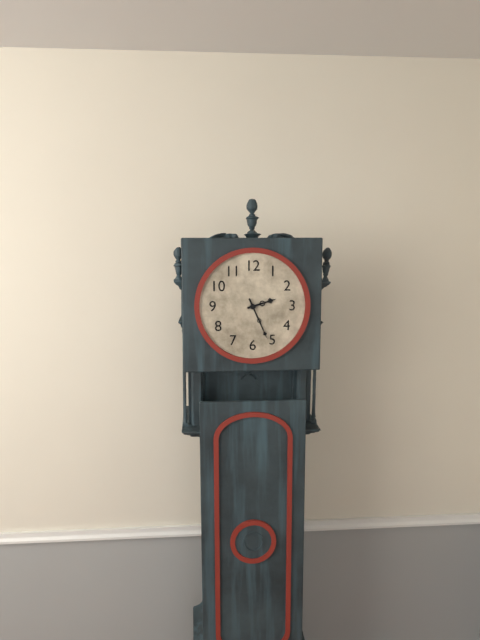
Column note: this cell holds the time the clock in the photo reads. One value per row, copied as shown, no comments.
2:26
